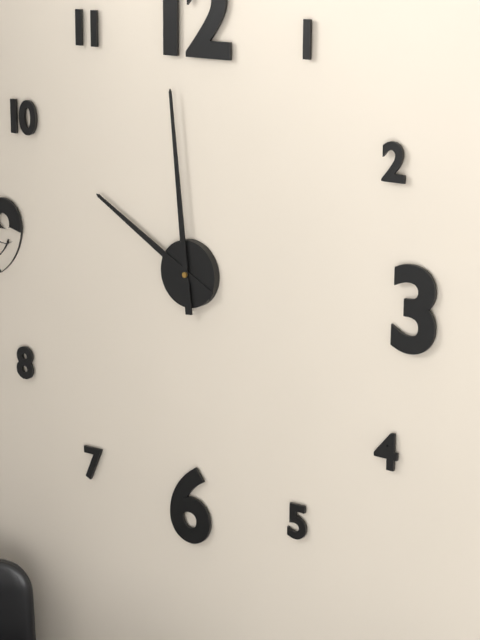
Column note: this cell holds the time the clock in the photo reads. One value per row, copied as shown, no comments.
9:59
